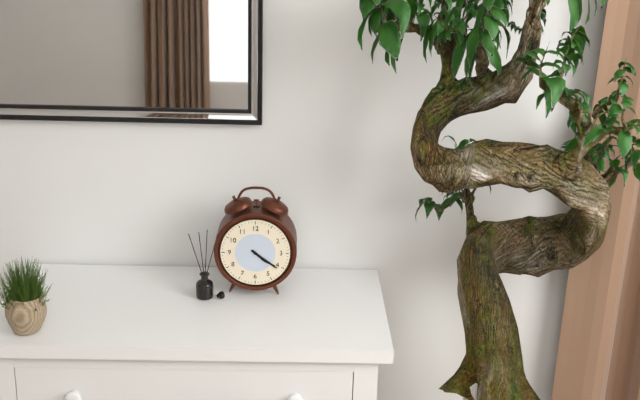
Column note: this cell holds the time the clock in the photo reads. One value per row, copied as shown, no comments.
4:21
